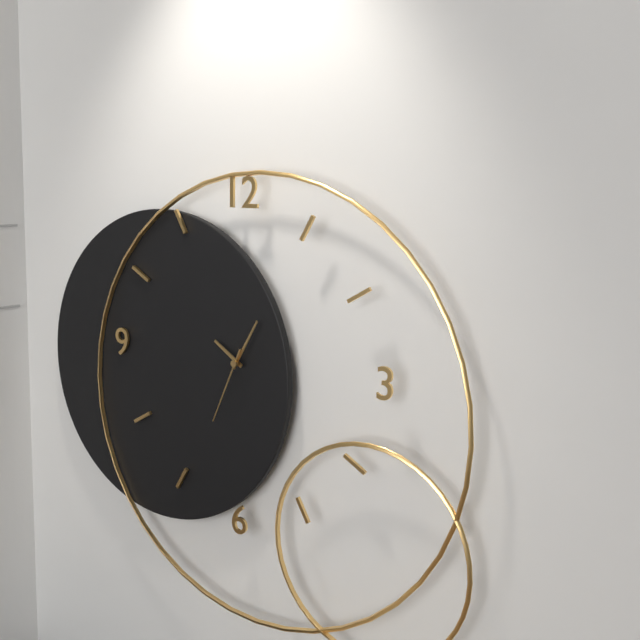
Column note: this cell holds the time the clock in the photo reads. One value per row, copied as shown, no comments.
10:05:34
